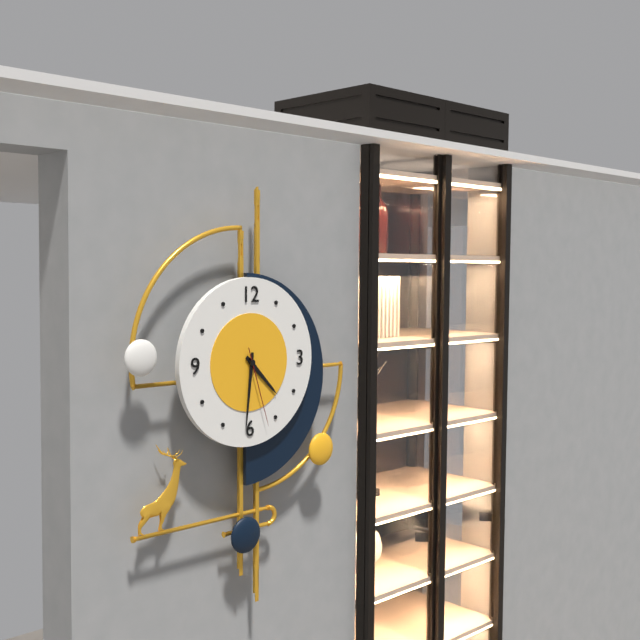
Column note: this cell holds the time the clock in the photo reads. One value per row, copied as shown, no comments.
4:31:27
